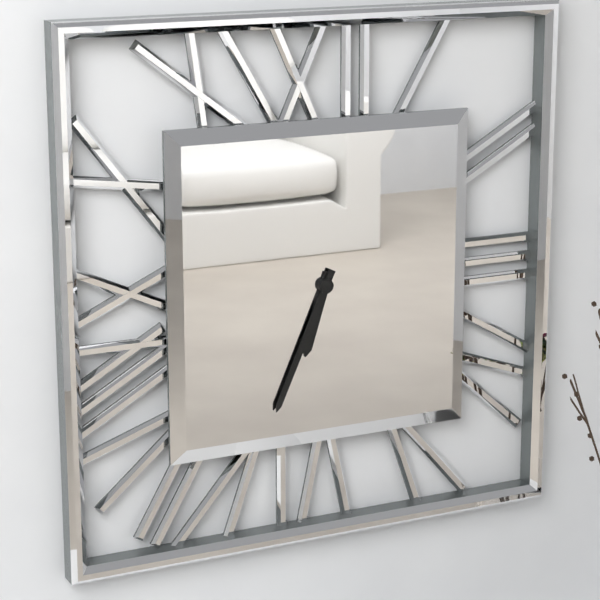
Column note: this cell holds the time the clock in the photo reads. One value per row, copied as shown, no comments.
6:34
